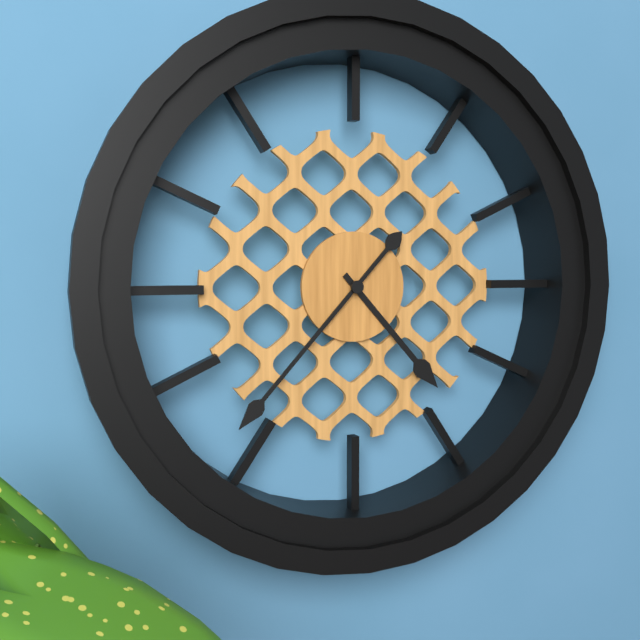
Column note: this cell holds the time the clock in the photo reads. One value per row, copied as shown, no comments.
4:37
